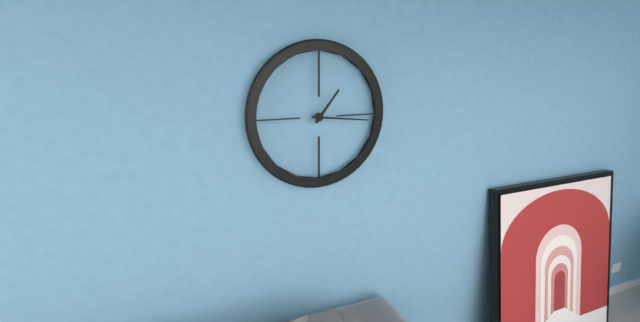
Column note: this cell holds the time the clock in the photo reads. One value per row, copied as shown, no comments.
1:16
